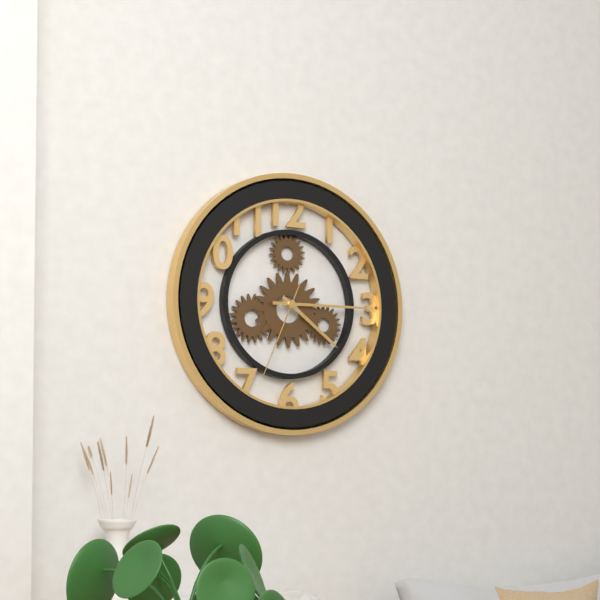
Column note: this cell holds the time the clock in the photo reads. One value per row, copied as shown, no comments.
4:15:34
